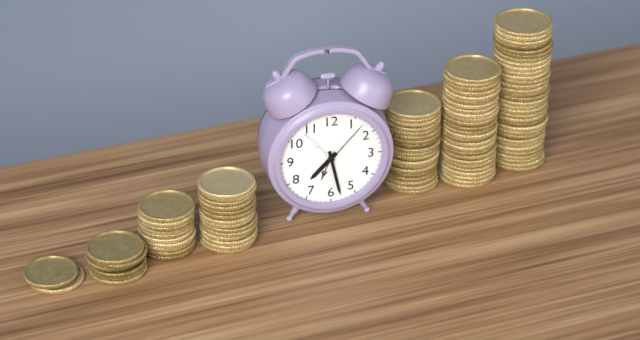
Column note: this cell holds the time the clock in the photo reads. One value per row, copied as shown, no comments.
7:28:07
